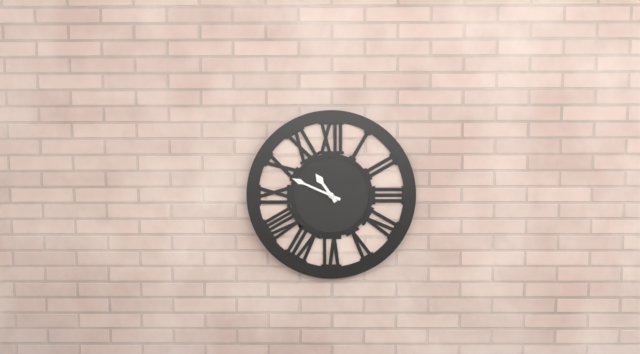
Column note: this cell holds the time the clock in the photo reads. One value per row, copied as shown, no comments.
10:49
